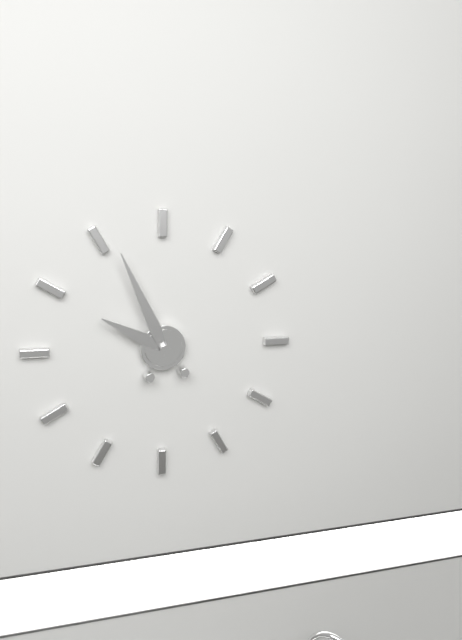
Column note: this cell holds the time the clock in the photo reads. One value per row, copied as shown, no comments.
9:56
